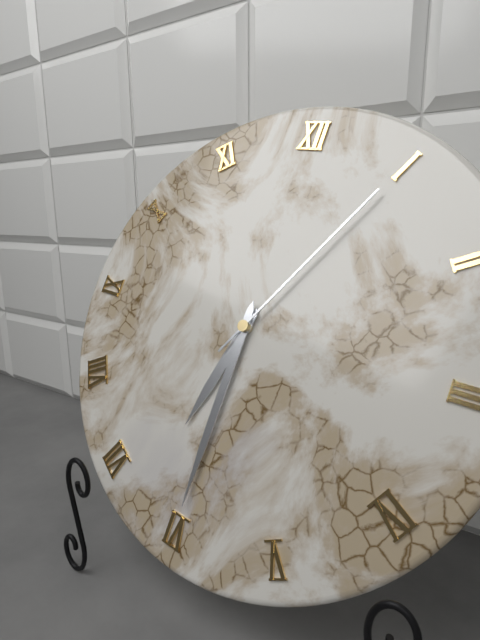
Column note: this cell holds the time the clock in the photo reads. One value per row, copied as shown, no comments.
6:30:05
